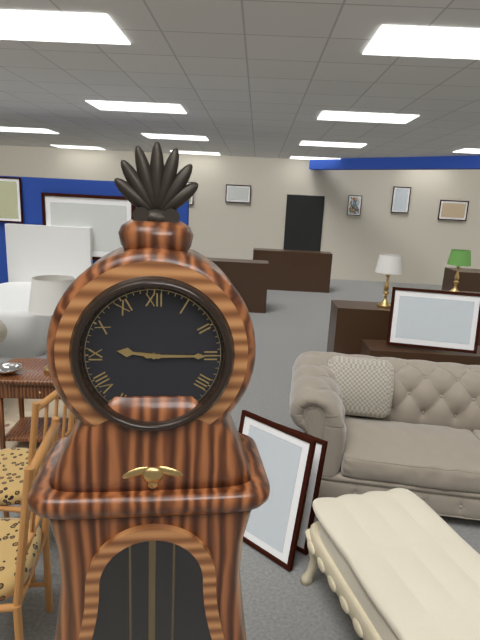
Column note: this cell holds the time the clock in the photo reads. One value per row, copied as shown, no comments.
9:15
